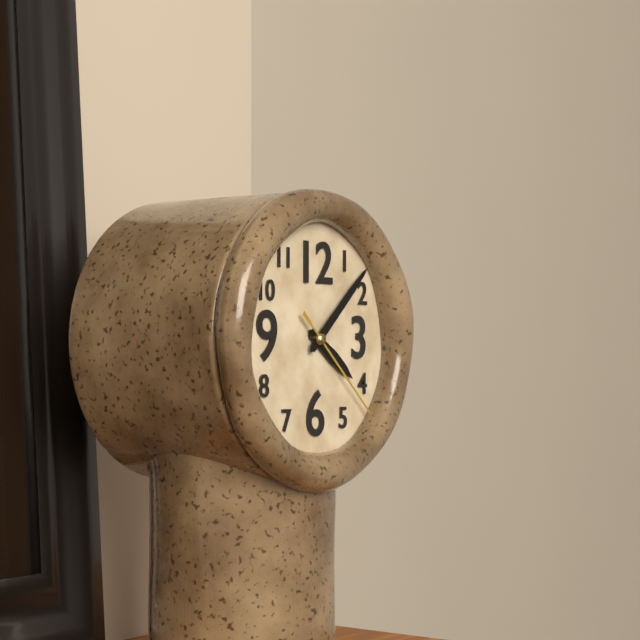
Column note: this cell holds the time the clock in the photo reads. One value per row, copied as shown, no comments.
4:08:22
